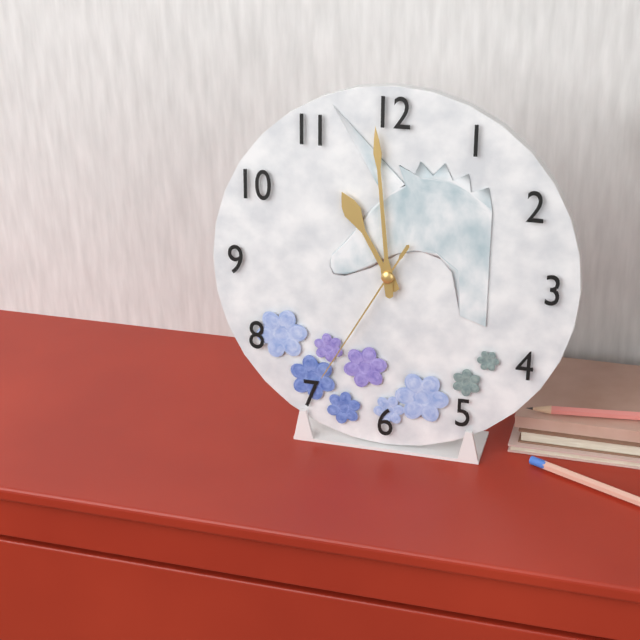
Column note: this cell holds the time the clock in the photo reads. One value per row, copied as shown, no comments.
10:59:35
